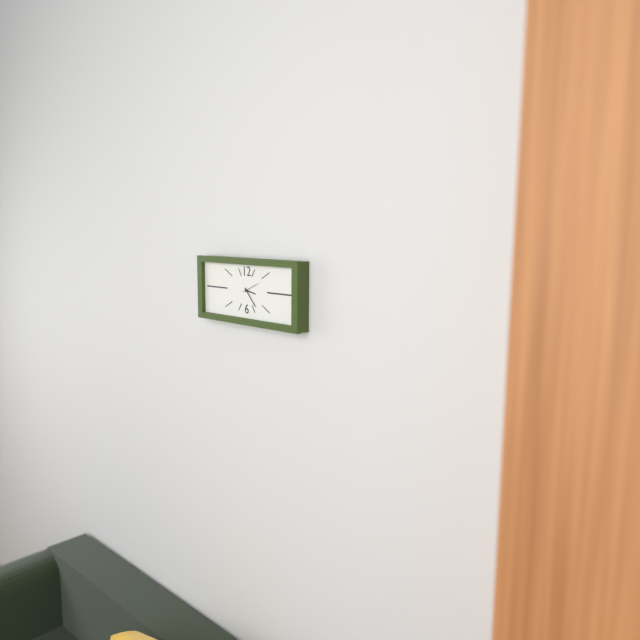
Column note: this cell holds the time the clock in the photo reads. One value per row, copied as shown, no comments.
3:23
